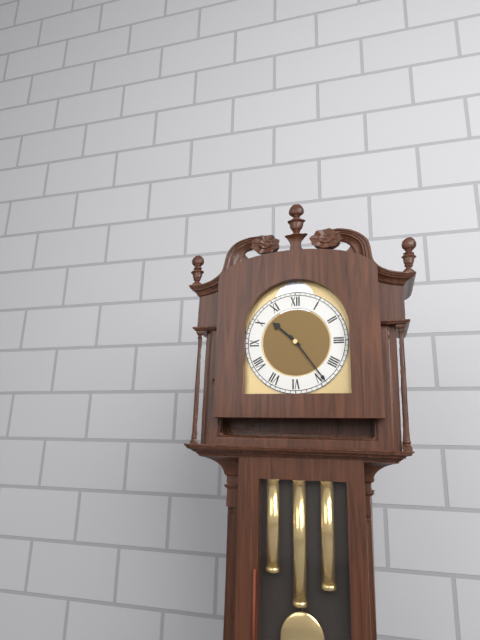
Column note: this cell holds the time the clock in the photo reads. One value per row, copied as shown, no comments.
10:24
